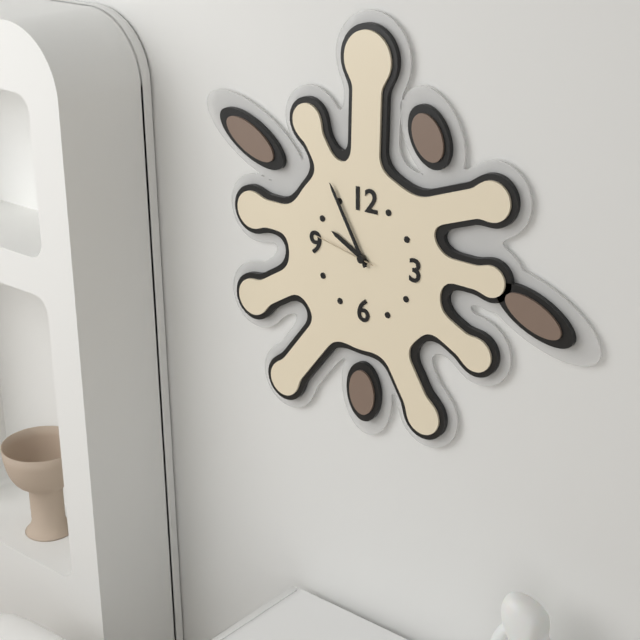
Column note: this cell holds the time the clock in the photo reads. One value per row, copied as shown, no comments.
9:55:47
